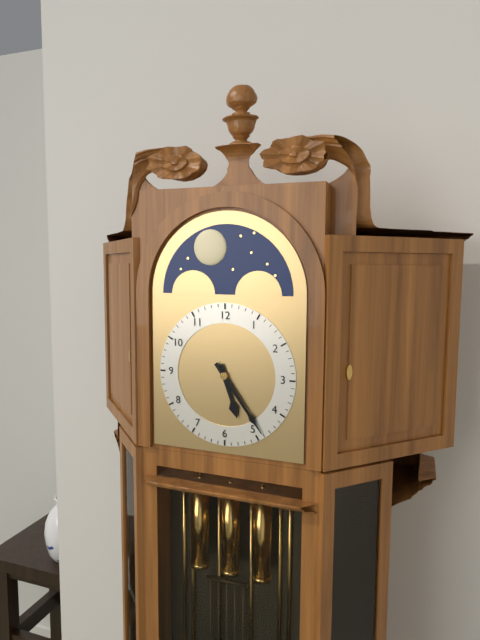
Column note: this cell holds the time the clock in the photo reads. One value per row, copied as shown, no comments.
5:24
